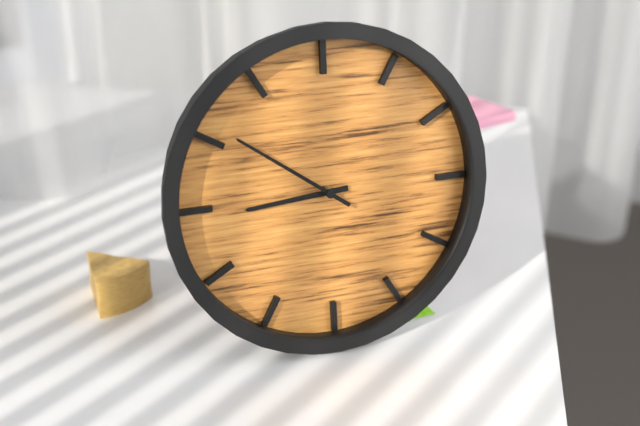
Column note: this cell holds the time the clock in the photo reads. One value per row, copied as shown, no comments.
8:51
